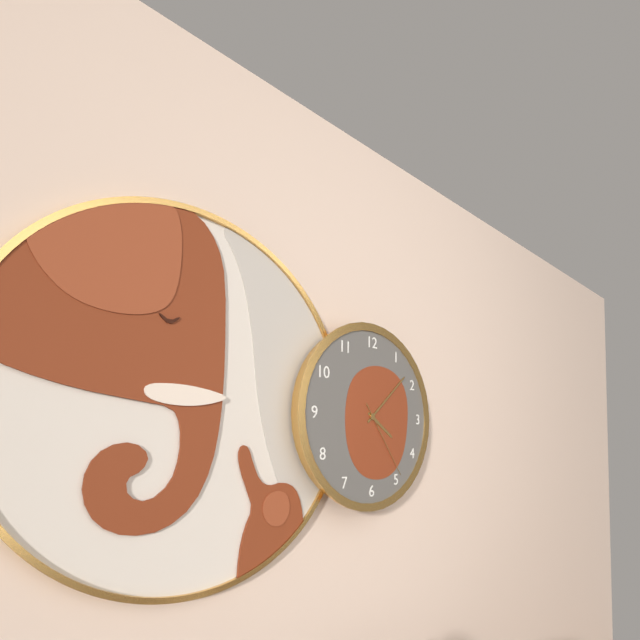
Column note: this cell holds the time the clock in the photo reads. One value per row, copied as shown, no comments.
4:08:24
